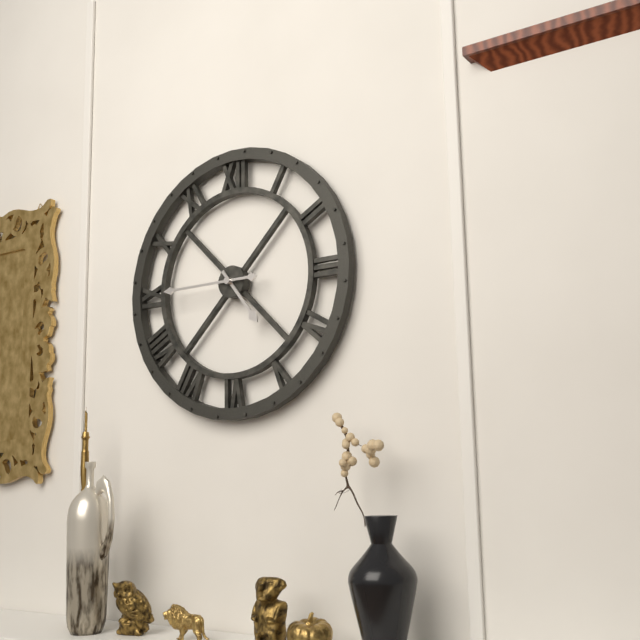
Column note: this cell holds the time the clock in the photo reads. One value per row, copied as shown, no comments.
4:45
